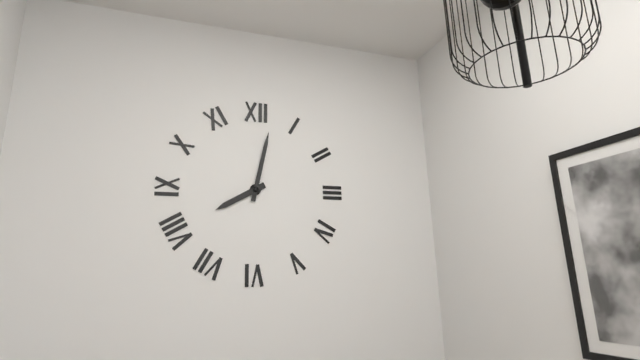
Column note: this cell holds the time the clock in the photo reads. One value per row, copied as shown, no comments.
8:02
